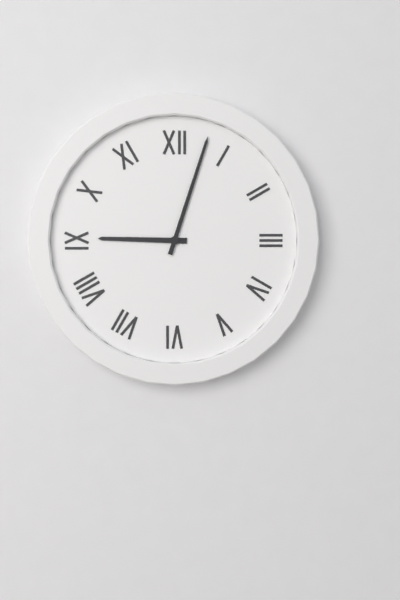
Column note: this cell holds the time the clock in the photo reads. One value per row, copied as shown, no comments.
9:03
